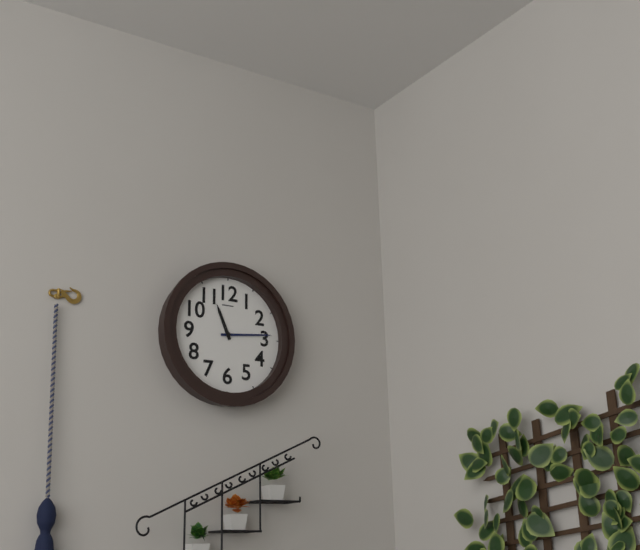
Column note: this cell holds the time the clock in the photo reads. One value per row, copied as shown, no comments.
11:14
